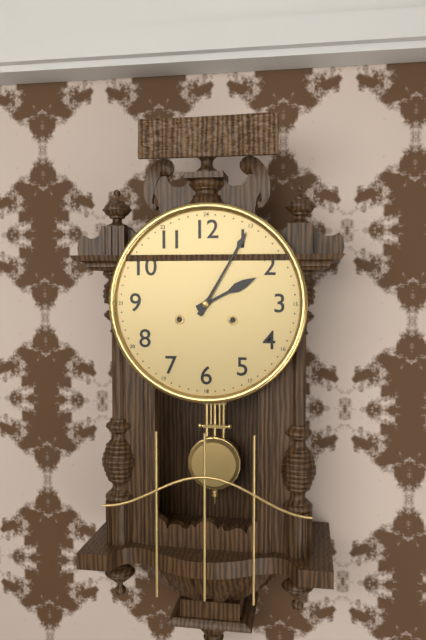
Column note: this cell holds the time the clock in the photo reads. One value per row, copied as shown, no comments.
2:05
